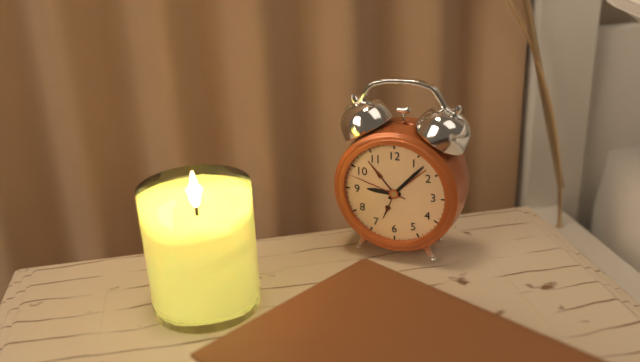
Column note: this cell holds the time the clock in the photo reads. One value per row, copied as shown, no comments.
9:07:48
